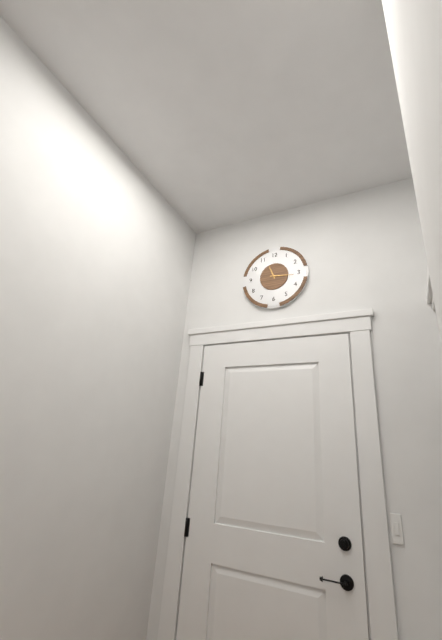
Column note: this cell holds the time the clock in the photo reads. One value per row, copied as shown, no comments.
11:16
